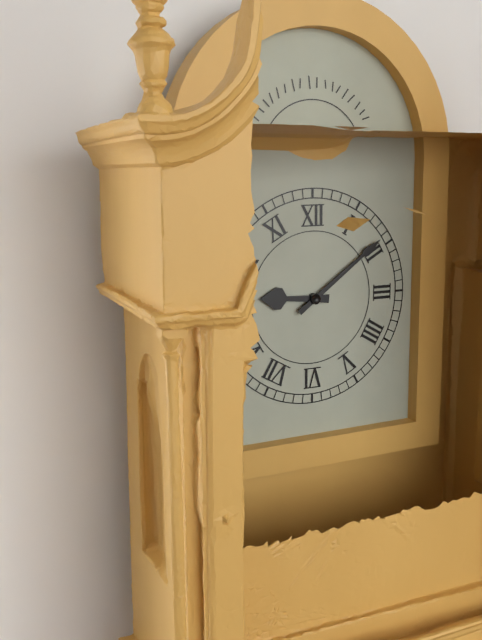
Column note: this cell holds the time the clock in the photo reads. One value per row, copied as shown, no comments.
9:09
